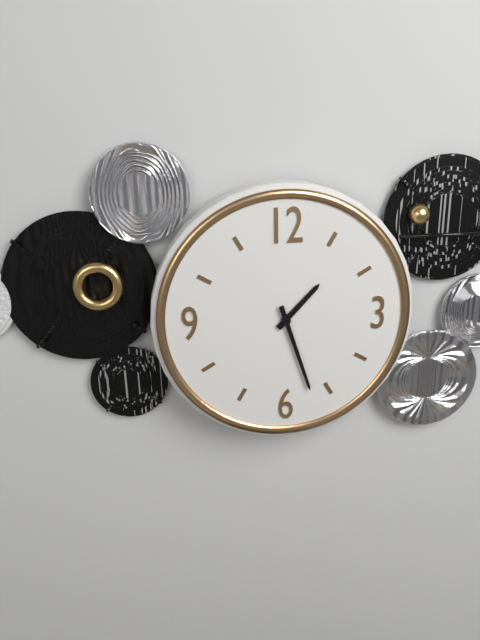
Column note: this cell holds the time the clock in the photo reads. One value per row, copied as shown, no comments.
1:27
